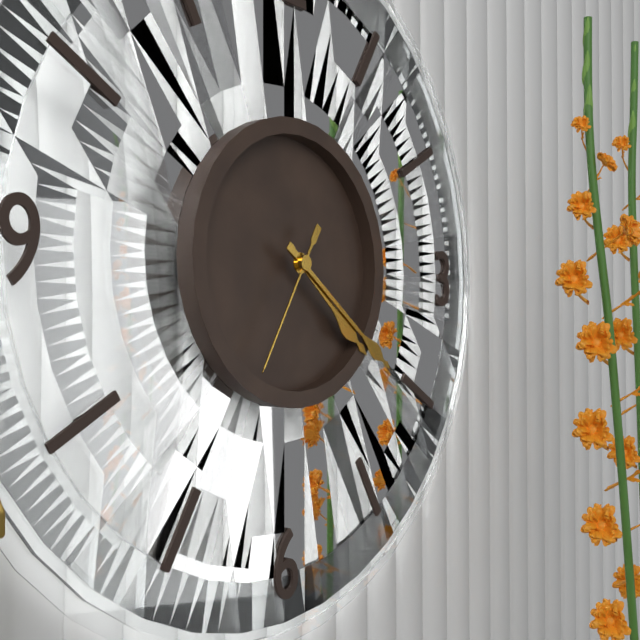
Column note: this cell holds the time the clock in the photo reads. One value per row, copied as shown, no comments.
4:21:35
